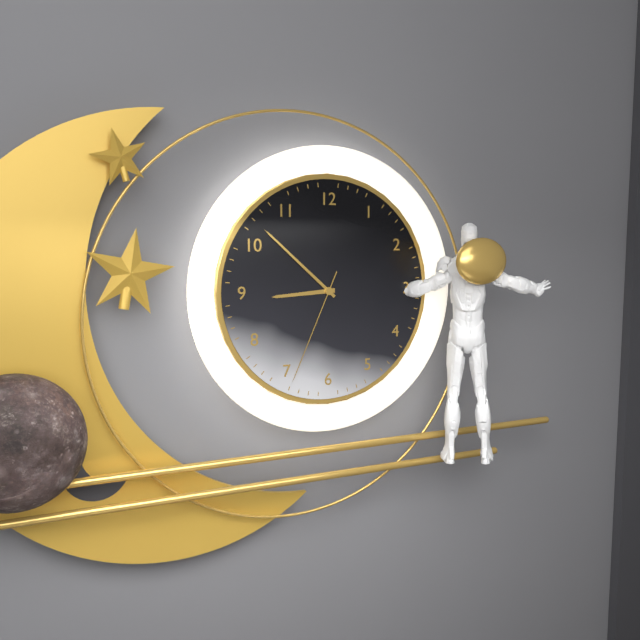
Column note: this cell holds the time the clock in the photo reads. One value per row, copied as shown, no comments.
8:52:34
